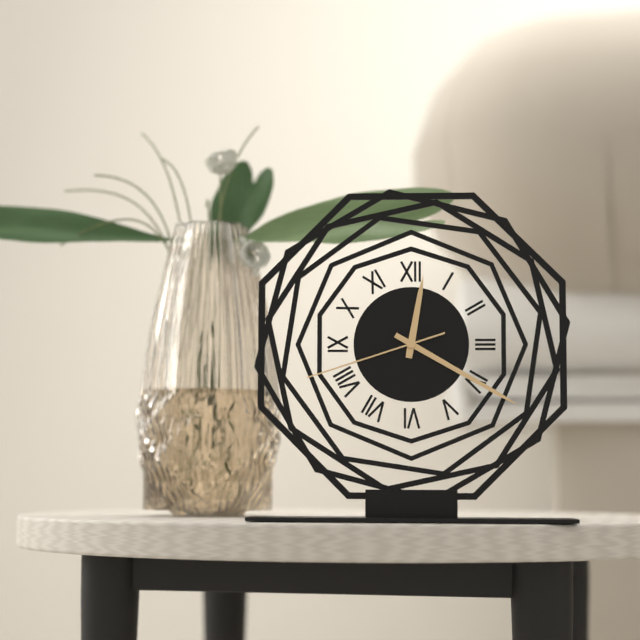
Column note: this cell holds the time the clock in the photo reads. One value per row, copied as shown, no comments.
12:20:42
